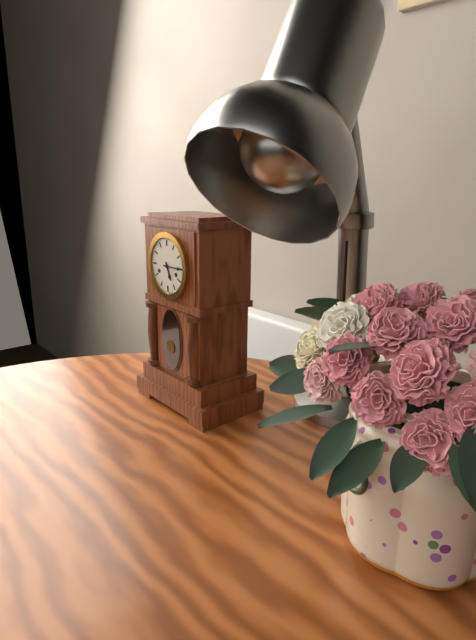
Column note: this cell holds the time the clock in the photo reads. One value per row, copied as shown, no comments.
5:15
